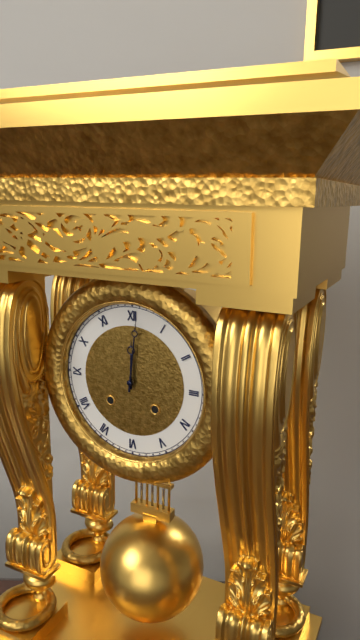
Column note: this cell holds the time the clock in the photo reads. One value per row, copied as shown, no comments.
12:01
